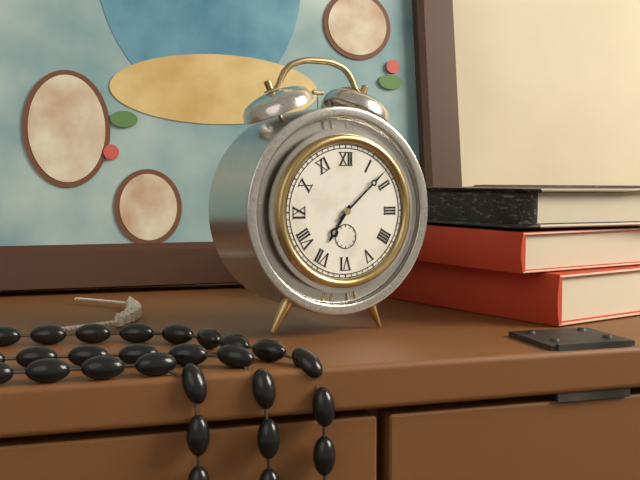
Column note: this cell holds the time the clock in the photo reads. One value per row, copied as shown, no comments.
7:08
